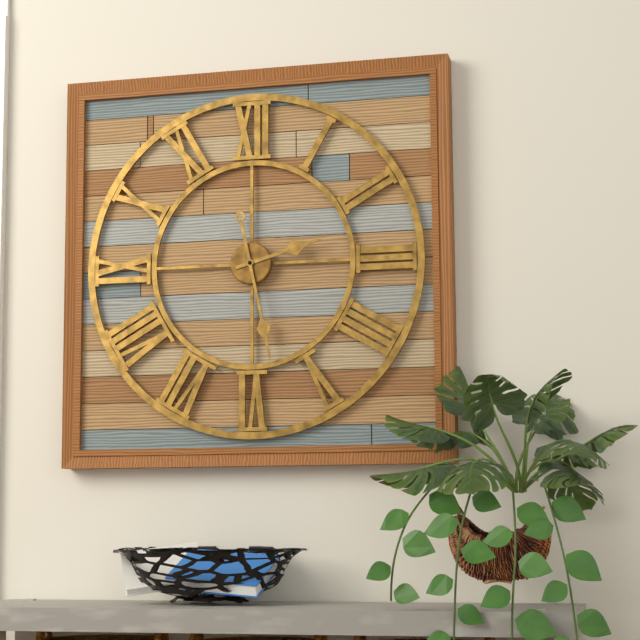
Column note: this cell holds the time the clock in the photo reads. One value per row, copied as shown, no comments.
2:28
